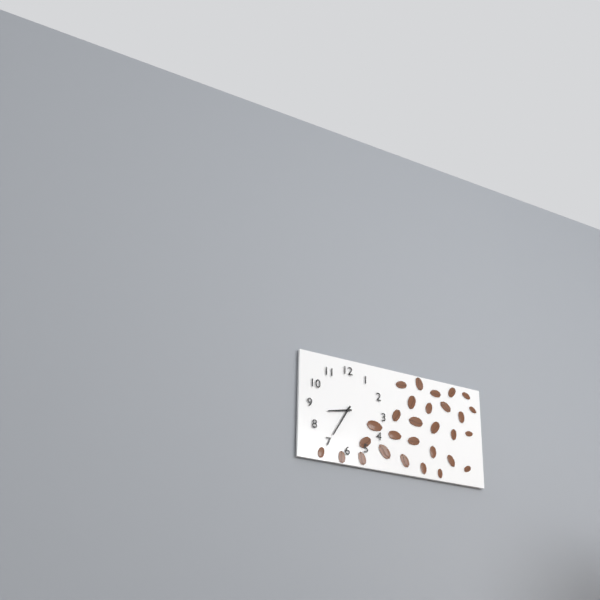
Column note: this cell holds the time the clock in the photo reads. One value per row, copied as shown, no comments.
8:35
